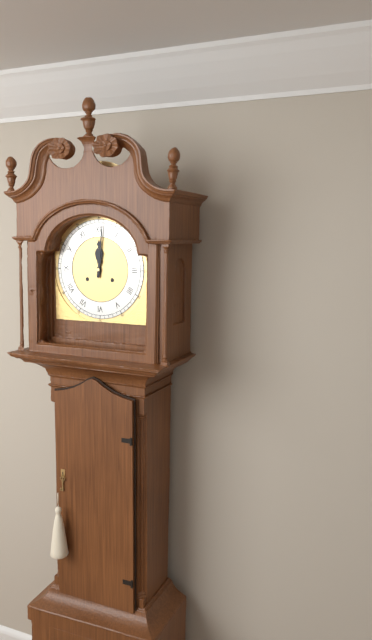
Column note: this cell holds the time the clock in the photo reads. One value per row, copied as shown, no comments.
12:01
